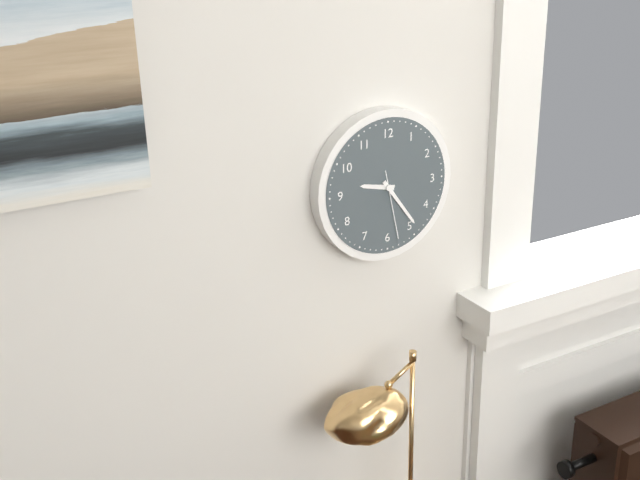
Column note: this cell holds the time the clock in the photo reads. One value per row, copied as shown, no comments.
9:24:28
